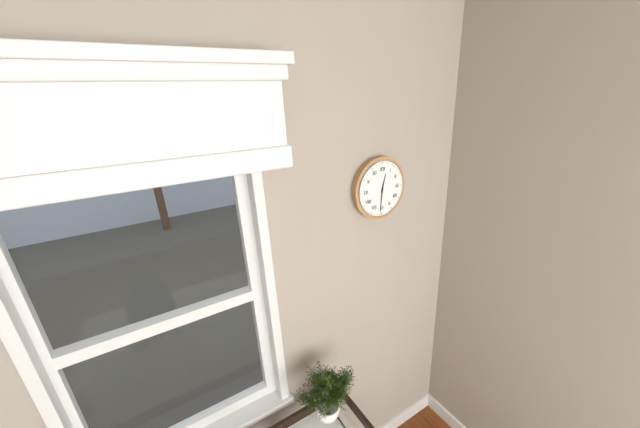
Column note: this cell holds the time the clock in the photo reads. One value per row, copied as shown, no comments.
12:31
